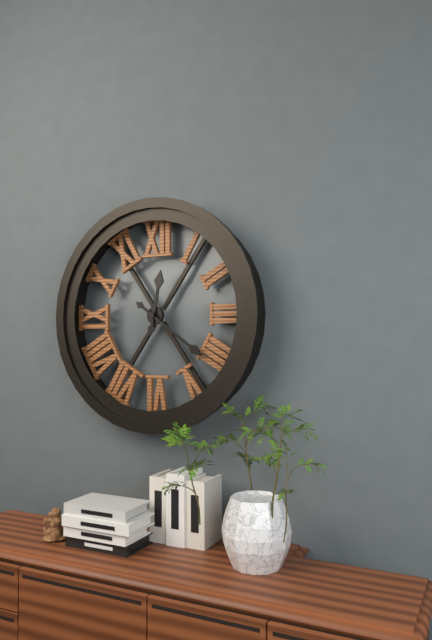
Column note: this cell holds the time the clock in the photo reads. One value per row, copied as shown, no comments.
12:21
